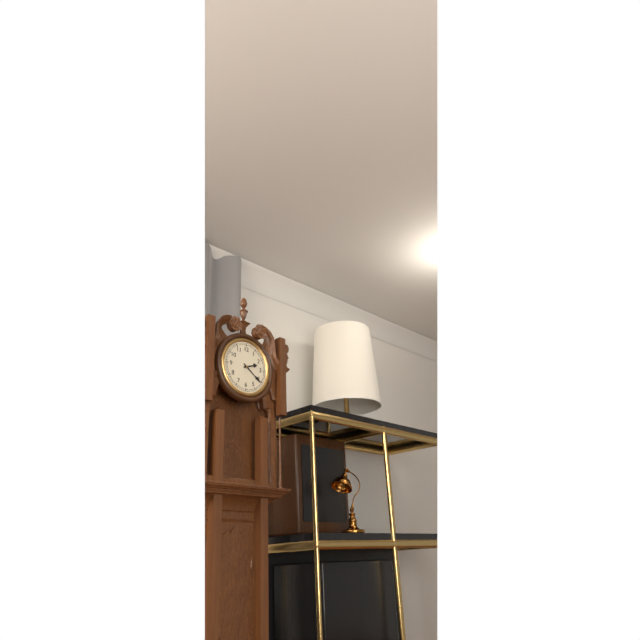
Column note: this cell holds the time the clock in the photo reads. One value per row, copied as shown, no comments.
2:21
